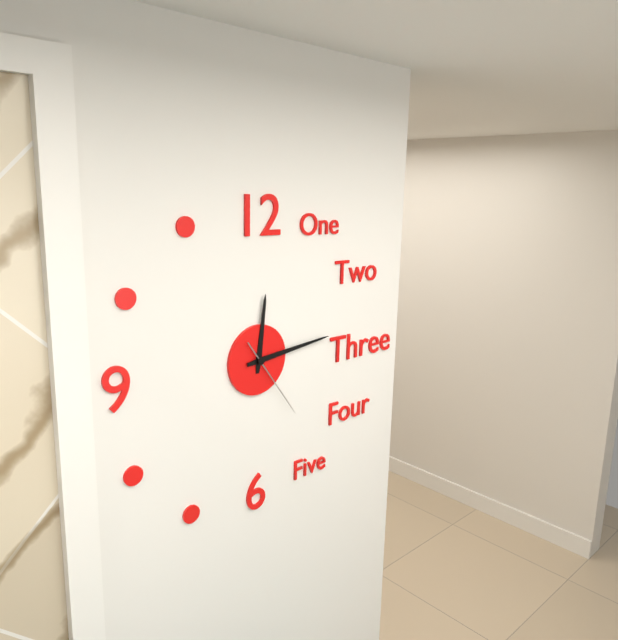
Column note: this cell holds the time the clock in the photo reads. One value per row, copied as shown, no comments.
12:14:24
